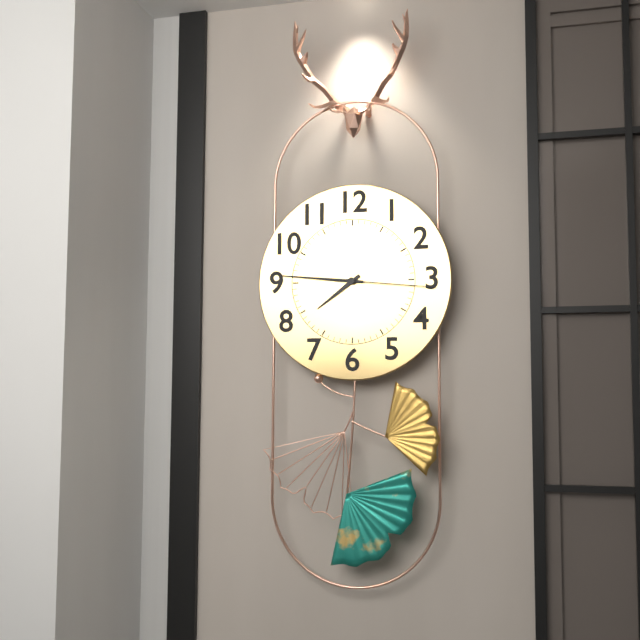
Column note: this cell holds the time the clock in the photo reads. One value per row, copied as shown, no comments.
7:46:16
